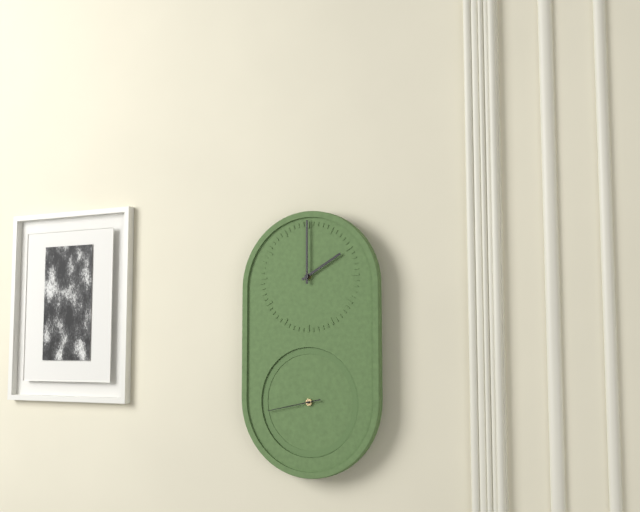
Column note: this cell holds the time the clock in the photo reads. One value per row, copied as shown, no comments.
2:00:43
